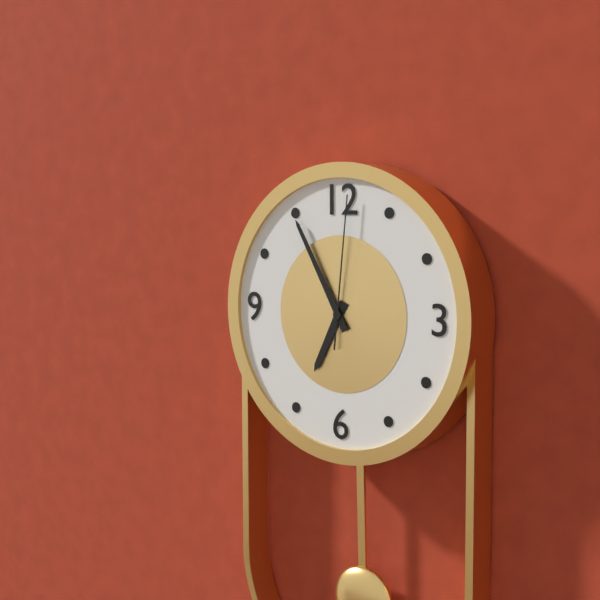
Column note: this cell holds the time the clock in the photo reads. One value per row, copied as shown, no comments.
6:55:01
